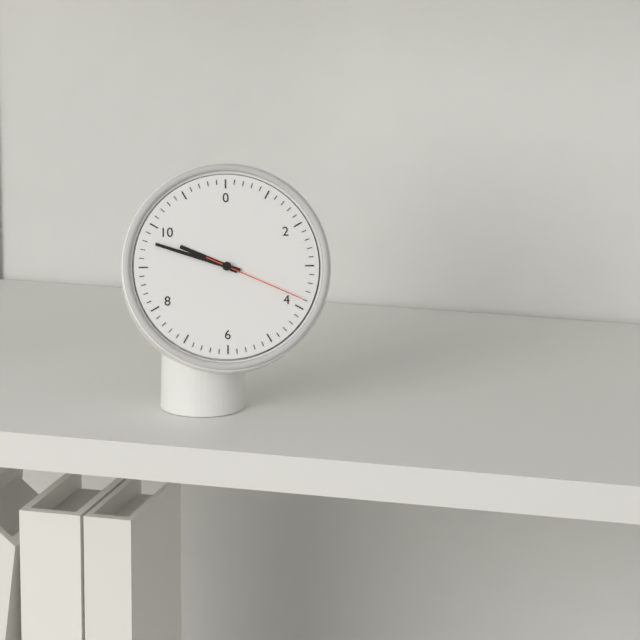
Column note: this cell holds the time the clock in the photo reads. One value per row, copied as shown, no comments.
9:48:19
